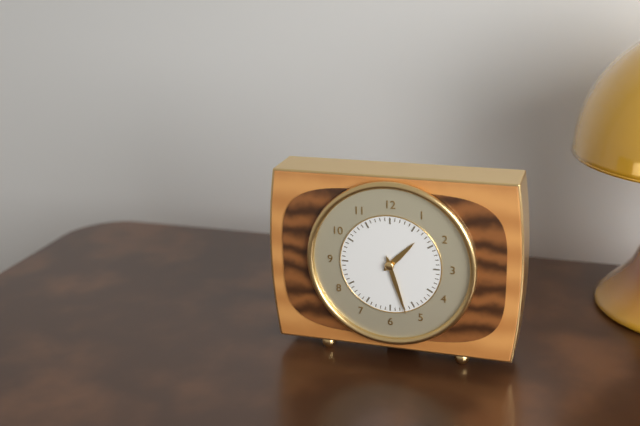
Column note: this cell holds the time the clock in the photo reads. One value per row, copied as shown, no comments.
1:27
